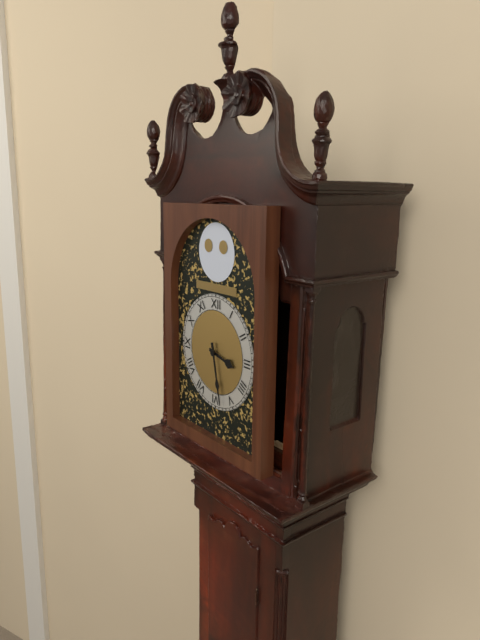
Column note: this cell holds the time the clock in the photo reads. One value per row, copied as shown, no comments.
3:28
